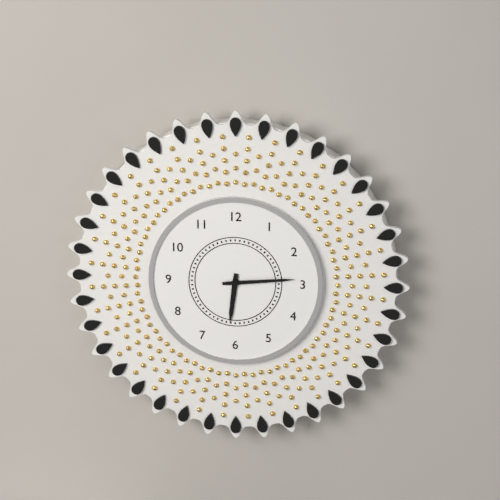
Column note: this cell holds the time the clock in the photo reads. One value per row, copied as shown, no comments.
6:14
